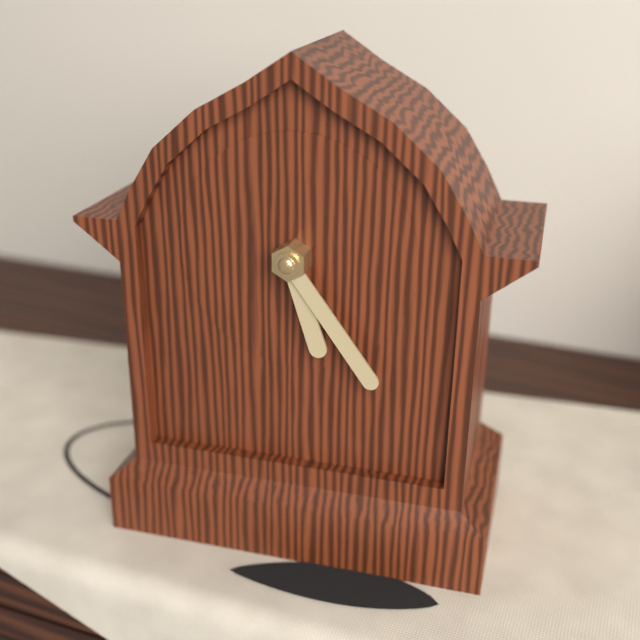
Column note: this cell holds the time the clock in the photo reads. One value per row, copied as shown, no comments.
5:24
